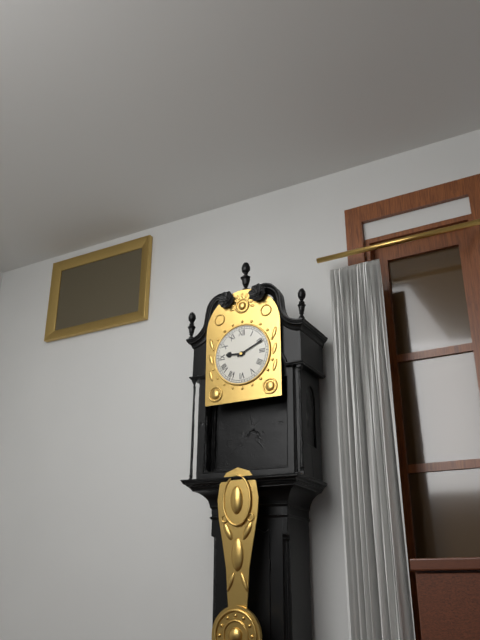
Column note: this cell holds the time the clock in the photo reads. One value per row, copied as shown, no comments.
9:11
